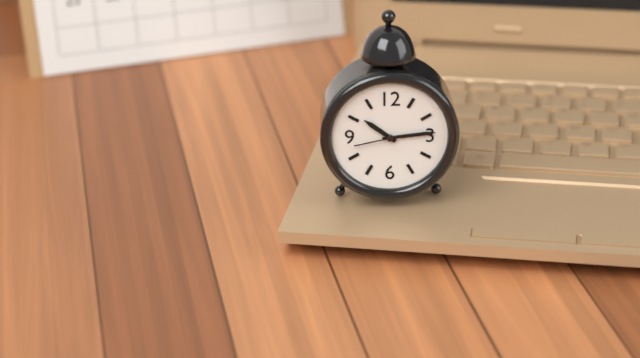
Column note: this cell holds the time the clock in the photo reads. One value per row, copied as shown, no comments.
10:14:43
